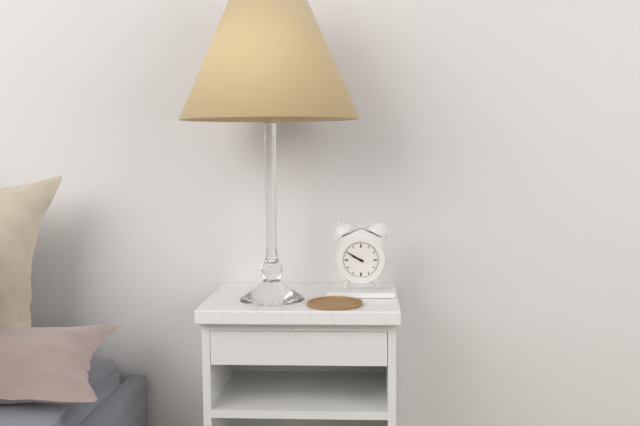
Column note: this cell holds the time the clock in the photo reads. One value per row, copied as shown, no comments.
9:50
